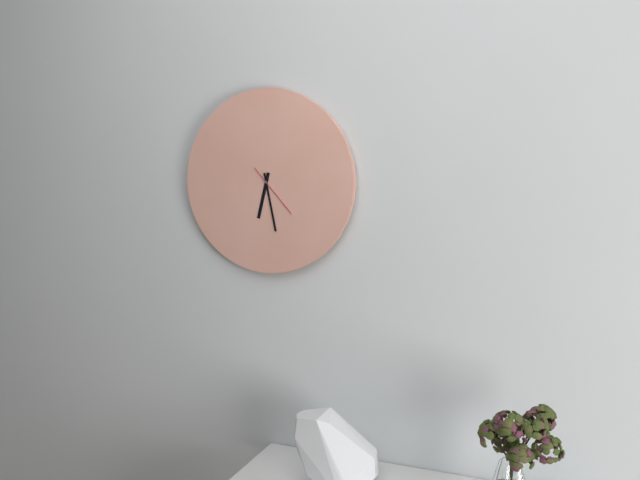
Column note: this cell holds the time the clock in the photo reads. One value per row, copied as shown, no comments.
6:28:23
